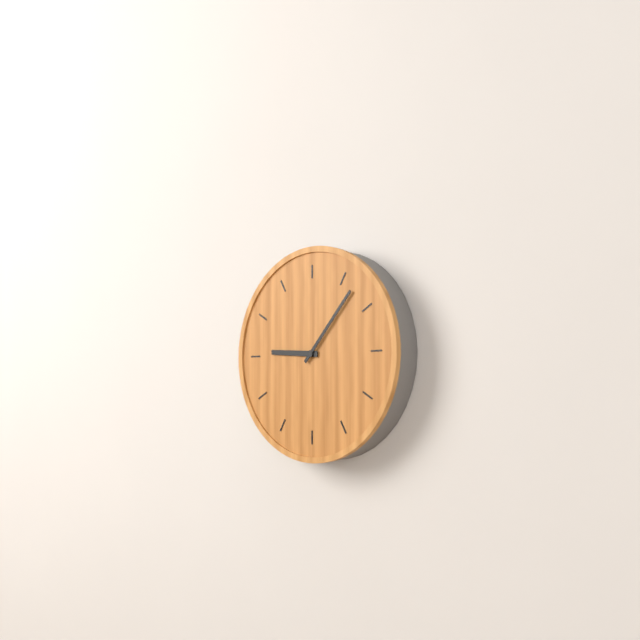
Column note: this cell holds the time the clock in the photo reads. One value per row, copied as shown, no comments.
9:07
